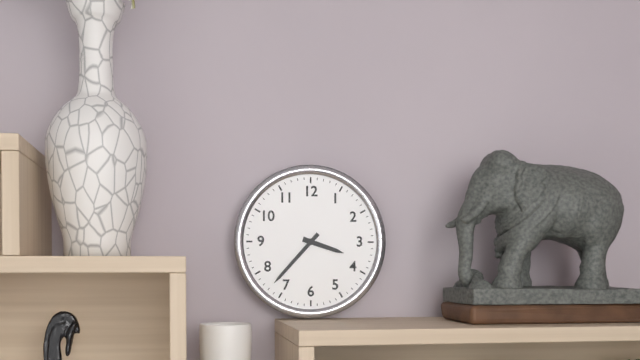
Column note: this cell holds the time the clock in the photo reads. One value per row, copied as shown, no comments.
3:37
